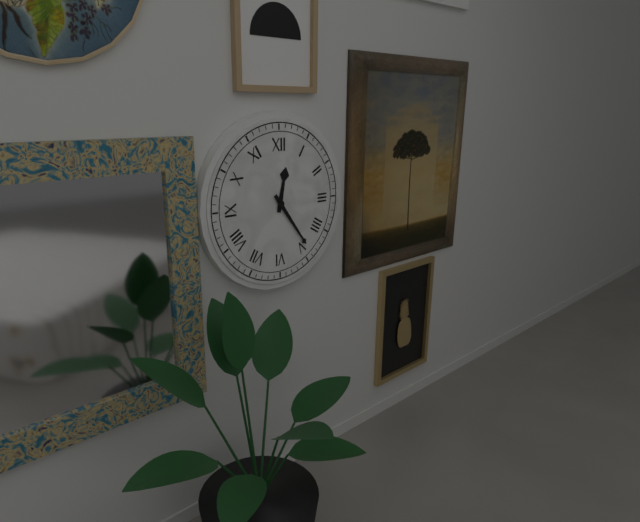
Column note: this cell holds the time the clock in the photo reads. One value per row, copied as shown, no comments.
12:24
